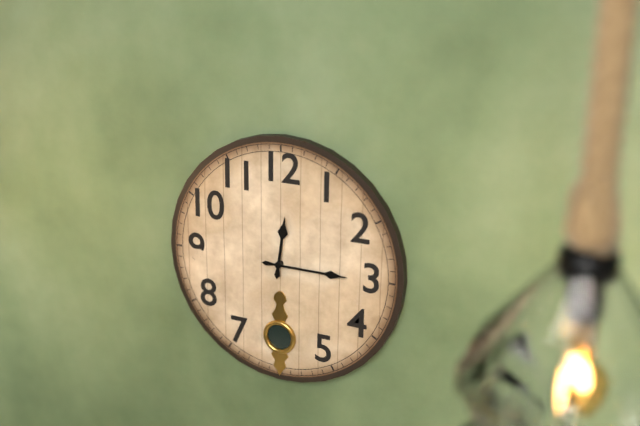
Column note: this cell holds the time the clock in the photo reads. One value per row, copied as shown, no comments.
12:15
